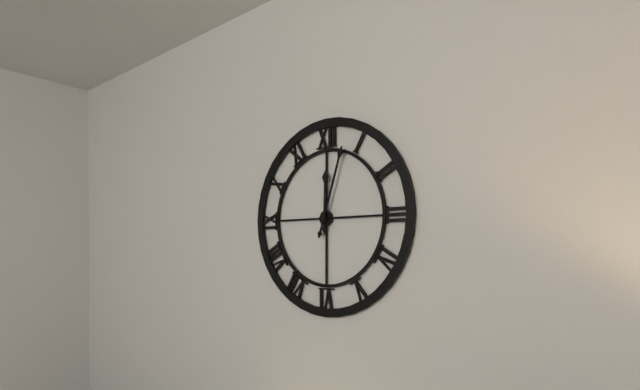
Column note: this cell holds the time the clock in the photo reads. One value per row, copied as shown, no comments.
12:03
